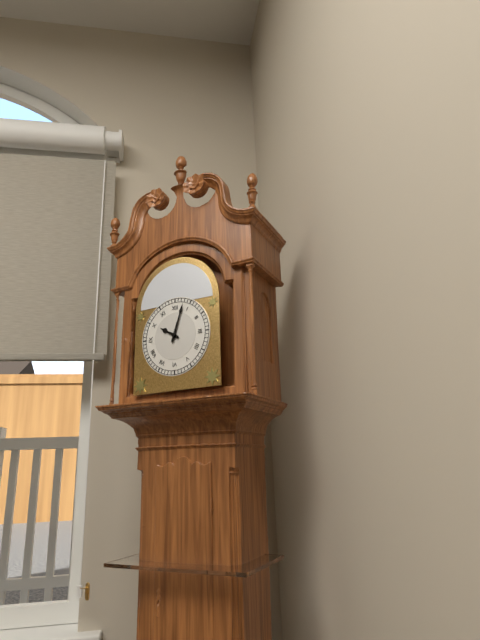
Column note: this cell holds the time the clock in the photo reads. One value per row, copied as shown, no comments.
10:03
